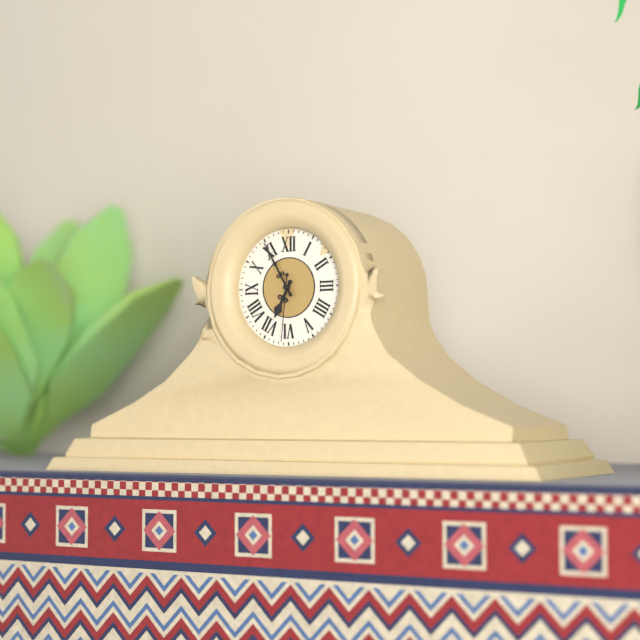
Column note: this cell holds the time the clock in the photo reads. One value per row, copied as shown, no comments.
6:55:31
